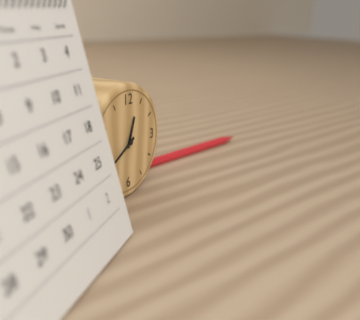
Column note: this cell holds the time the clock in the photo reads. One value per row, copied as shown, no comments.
12:40
